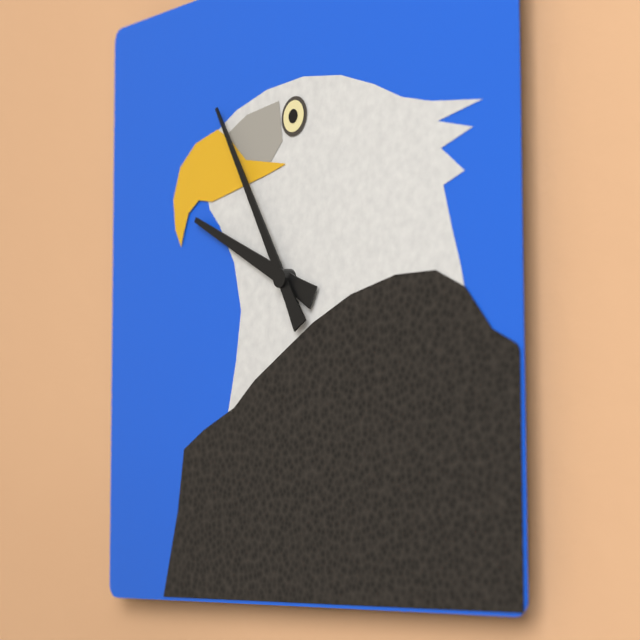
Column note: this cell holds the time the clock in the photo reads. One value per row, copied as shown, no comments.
9:55
